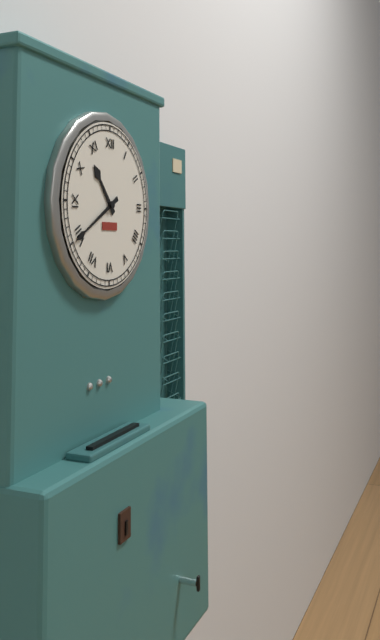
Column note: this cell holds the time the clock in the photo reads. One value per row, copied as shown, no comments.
10:40
